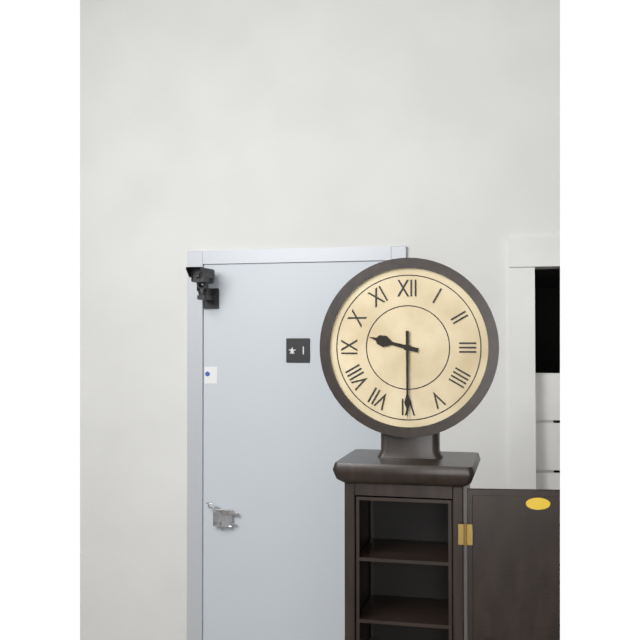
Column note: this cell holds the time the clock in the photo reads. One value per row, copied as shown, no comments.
9:30
